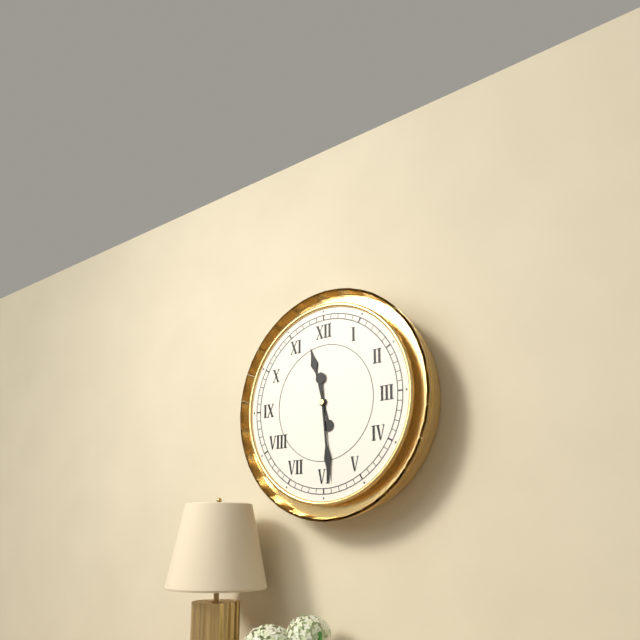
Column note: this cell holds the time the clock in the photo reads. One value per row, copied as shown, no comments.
11:29
